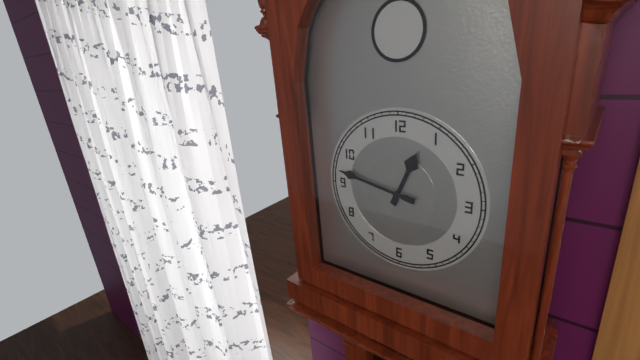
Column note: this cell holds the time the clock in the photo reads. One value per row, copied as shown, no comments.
12:47
